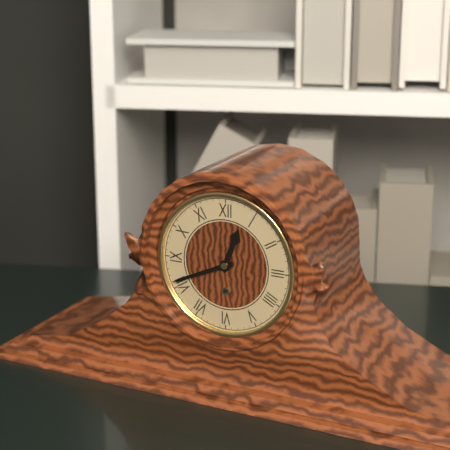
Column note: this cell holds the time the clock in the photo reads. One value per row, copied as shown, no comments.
12:41
